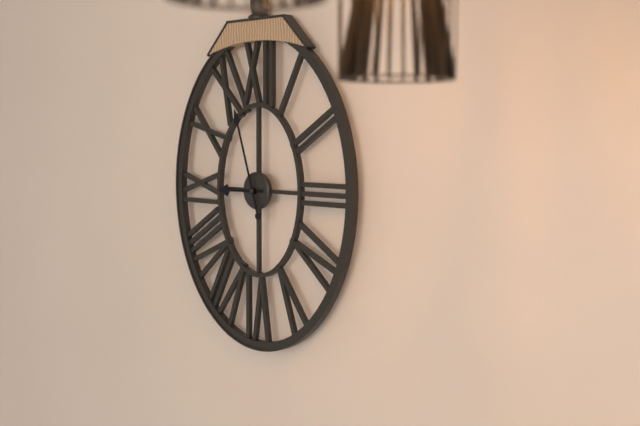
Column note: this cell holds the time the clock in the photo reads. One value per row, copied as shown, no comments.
8:57
